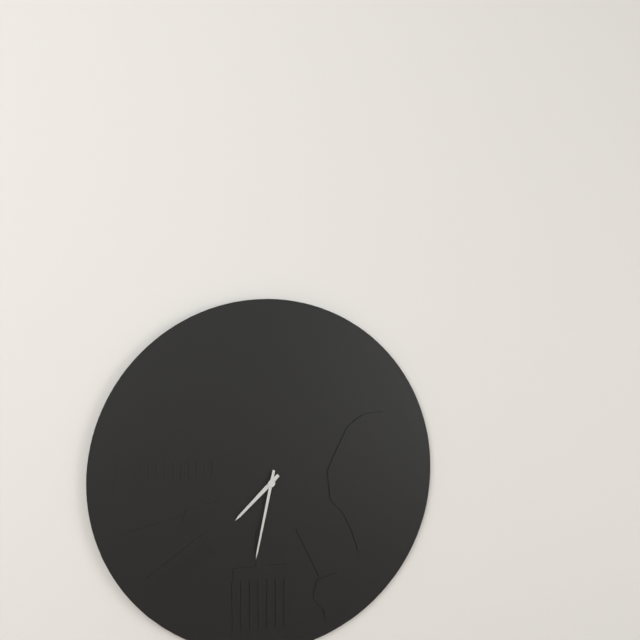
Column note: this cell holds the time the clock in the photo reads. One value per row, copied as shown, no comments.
7:32
